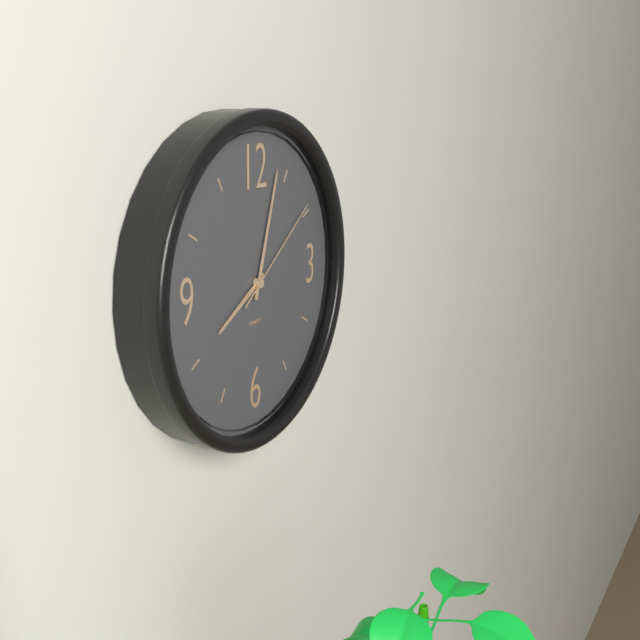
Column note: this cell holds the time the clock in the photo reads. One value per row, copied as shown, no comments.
8:03:09
